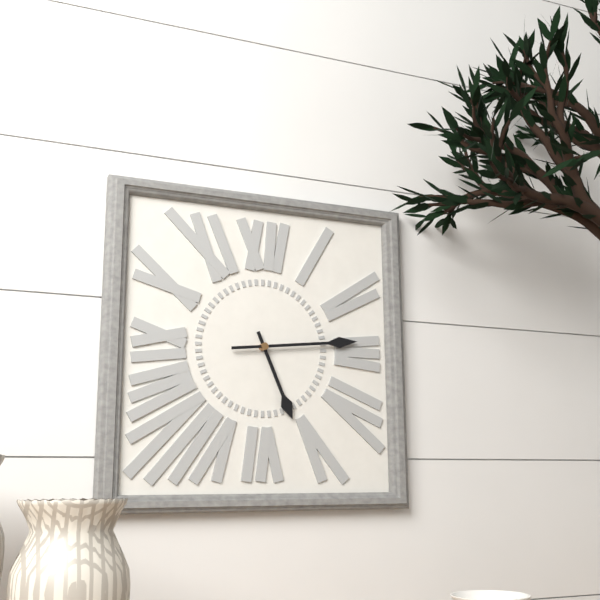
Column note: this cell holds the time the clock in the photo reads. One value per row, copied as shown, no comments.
5:14
